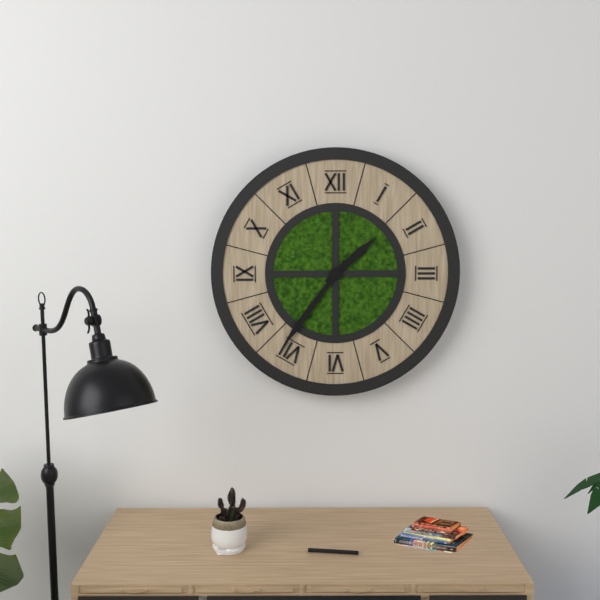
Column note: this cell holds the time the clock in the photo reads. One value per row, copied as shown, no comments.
1:36
